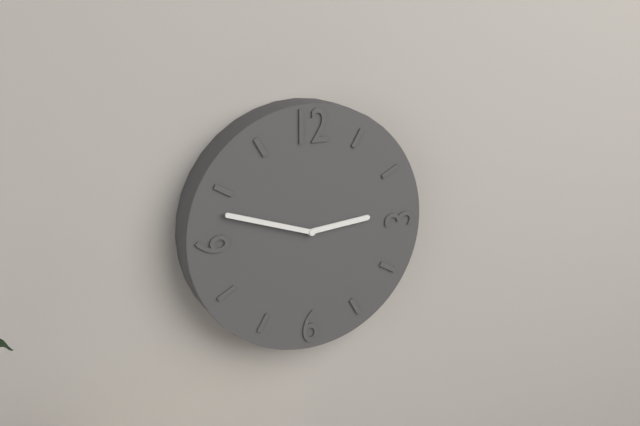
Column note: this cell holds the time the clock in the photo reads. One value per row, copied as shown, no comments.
2:48
